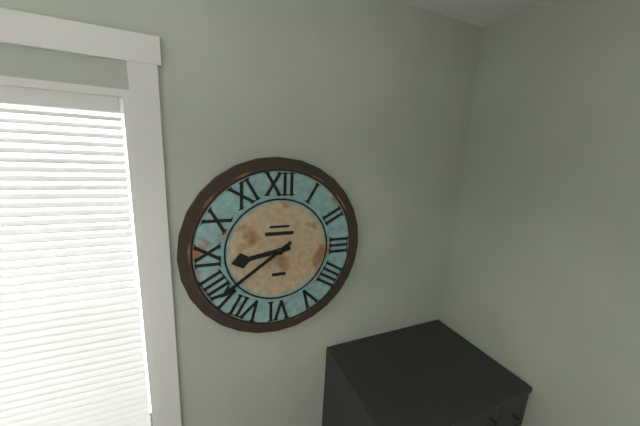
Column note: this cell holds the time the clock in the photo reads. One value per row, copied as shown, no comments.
8:39
